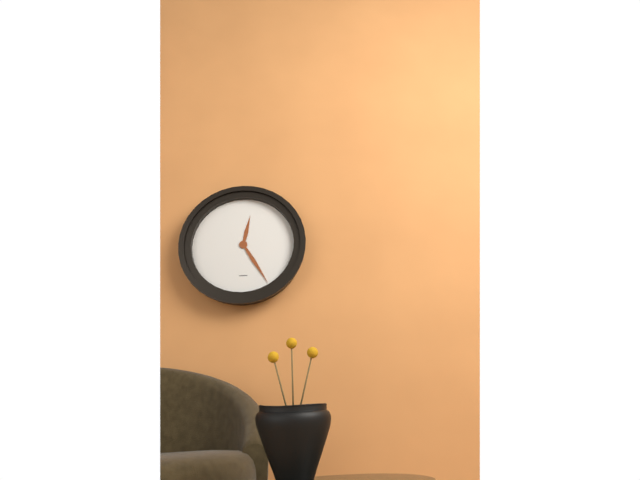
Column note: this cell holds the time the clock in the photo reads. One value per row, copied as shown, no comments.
12:25
